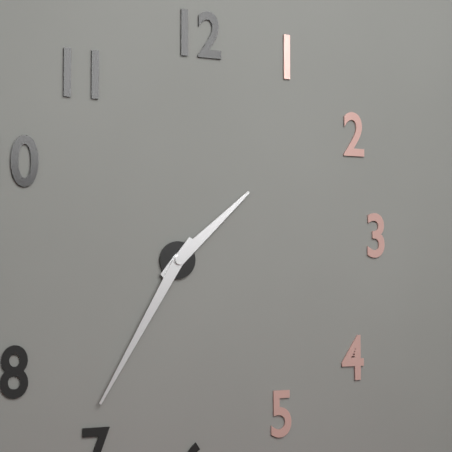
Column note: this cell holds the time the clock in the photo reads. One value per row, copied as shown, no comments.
1:35
